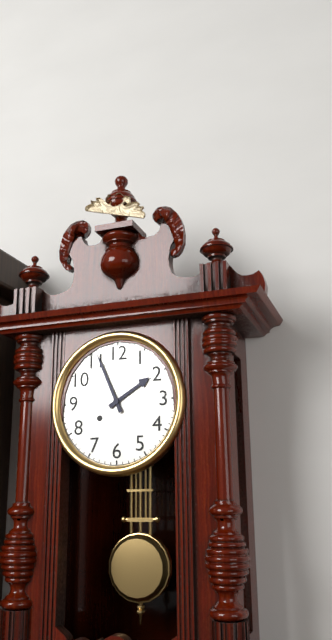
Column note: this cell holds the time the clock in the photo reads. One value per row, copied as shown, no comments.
1:56
